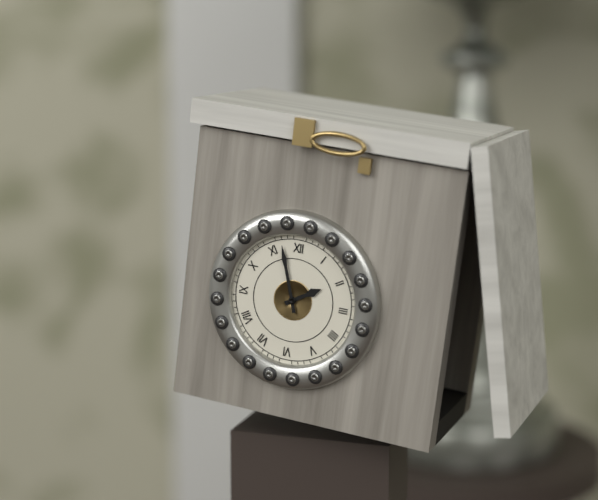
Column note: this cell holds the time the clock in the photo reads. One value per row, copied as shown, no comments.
1:57
